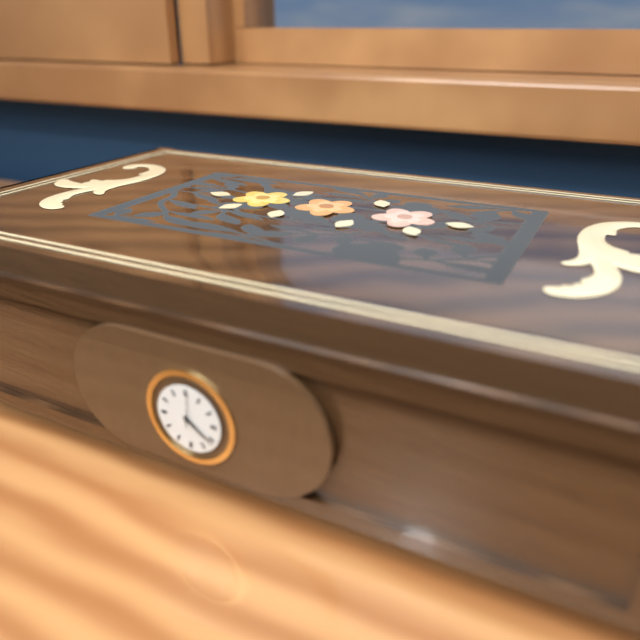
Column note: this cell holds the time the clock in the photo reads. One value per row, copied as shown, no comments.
4:21:01
